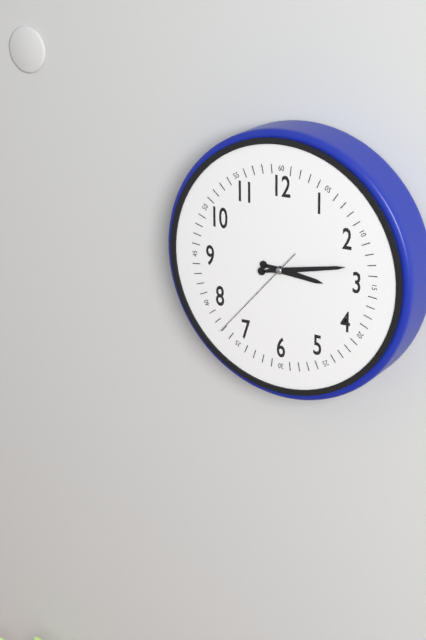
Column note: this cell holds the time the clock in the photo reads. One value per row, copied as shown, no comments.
3:13:37
